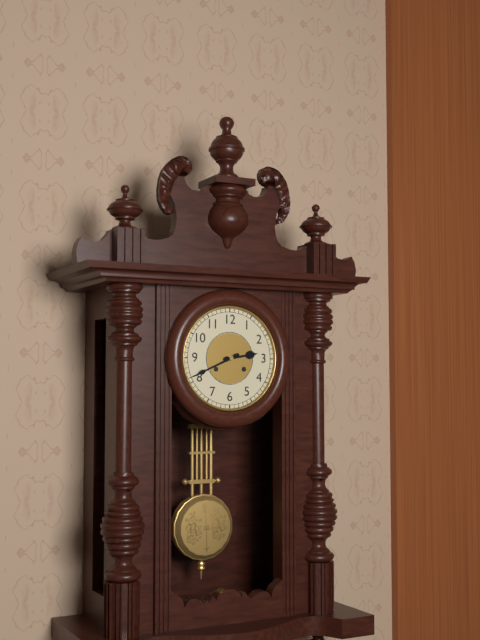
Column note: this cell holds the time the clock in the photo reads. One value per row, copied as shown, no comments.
2:41
